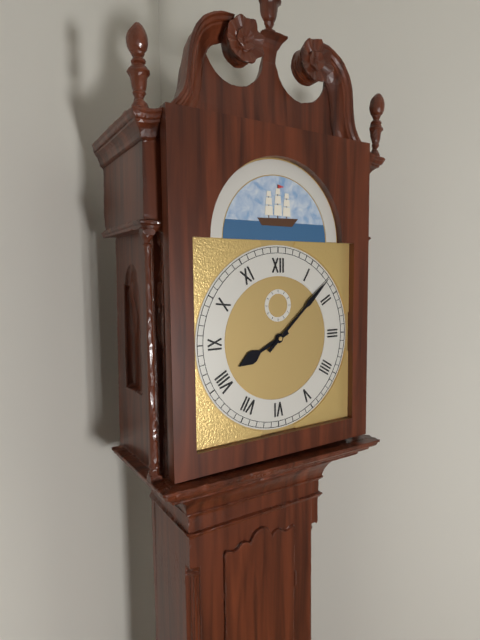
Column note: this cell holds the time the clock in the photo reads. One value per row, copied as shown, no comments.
8:08
